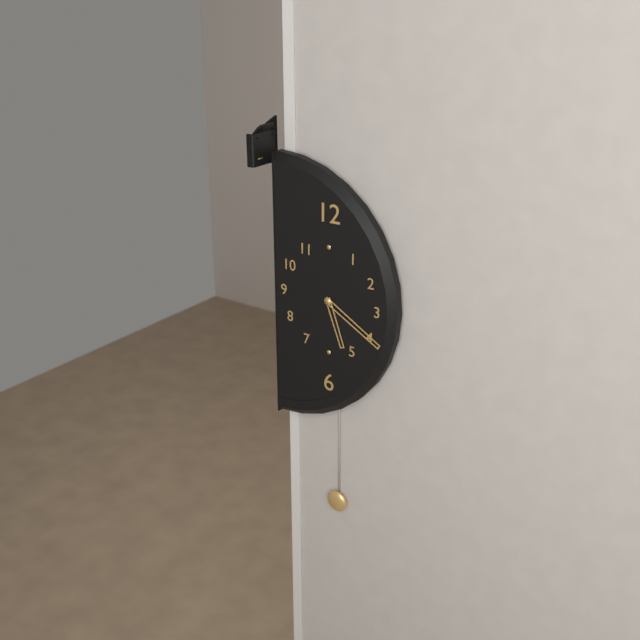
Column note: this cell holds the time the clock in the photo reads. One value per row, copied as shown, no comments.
5:20
